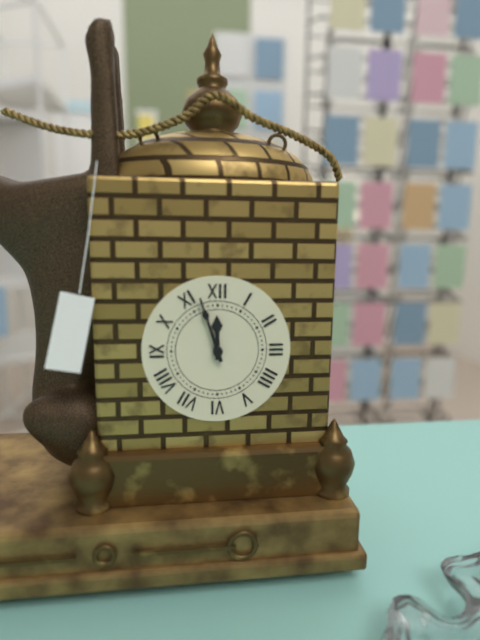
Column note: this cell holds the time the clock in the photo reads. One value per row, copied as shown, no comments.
11:57
